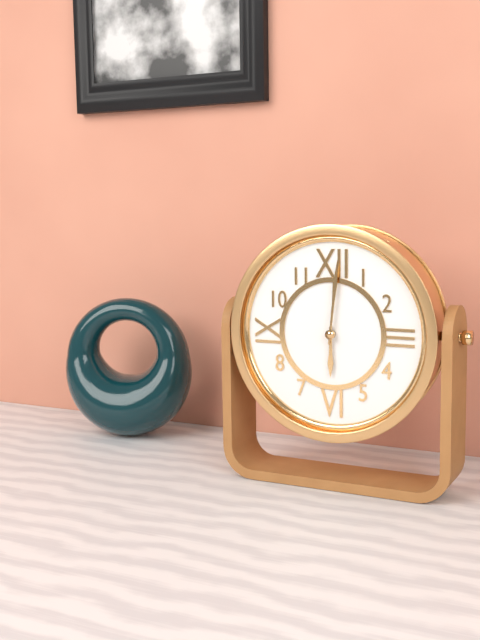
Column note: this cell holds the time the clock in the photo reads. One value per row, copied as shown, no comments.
6:01
